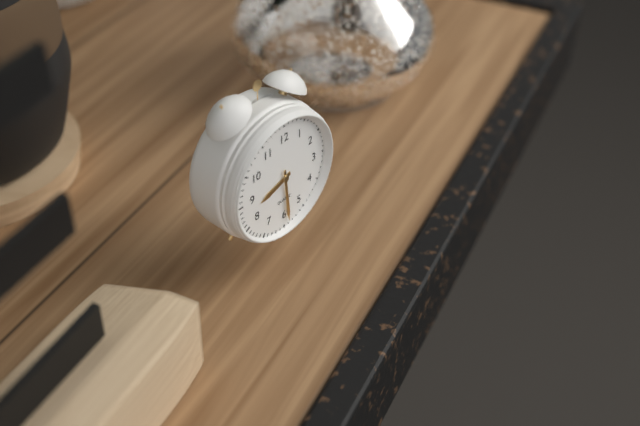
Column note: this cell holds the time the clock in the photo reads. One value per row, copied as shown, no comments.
8:29
